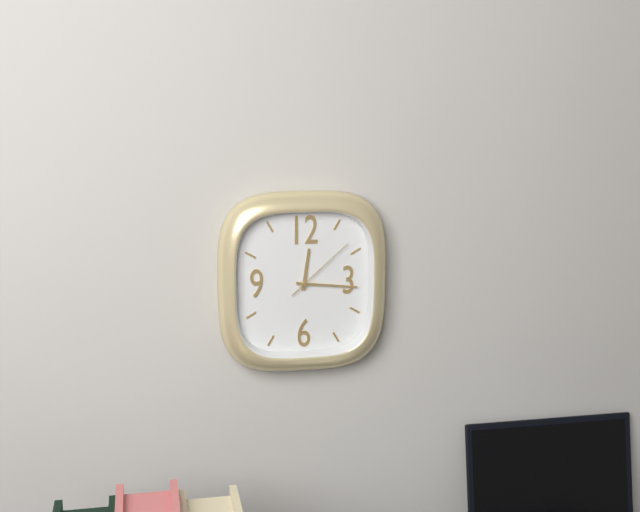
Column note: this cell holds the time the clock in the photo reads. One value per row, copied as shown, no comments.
12:16:08
